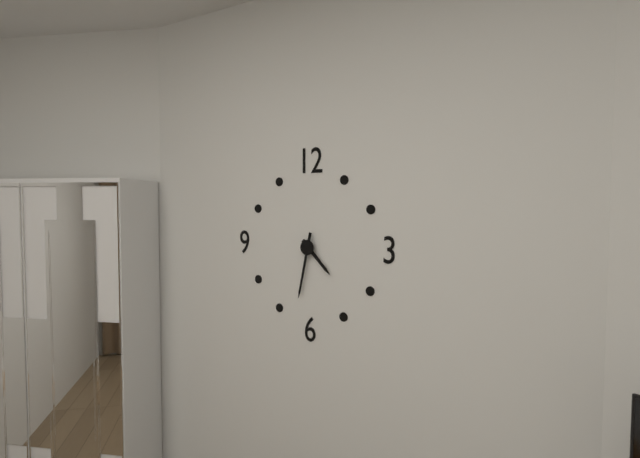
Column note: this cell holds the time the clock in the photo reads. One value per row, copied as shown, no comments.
4:32
